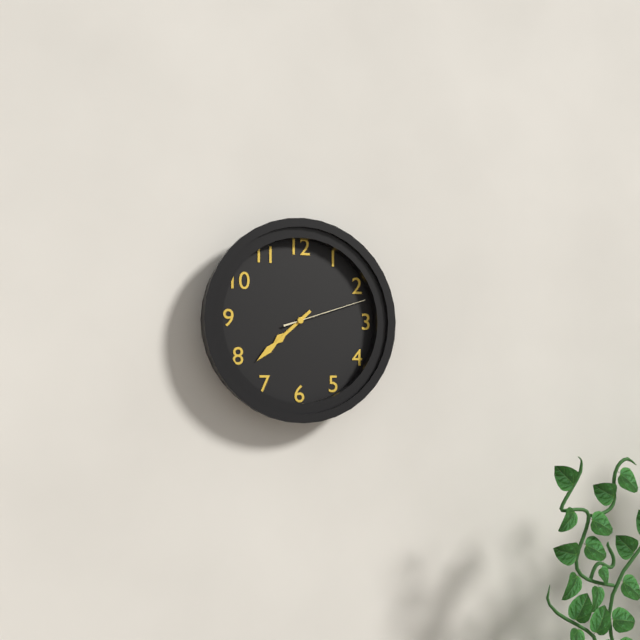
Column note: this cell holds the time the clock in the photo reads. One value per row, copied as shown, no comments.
7:38:12
